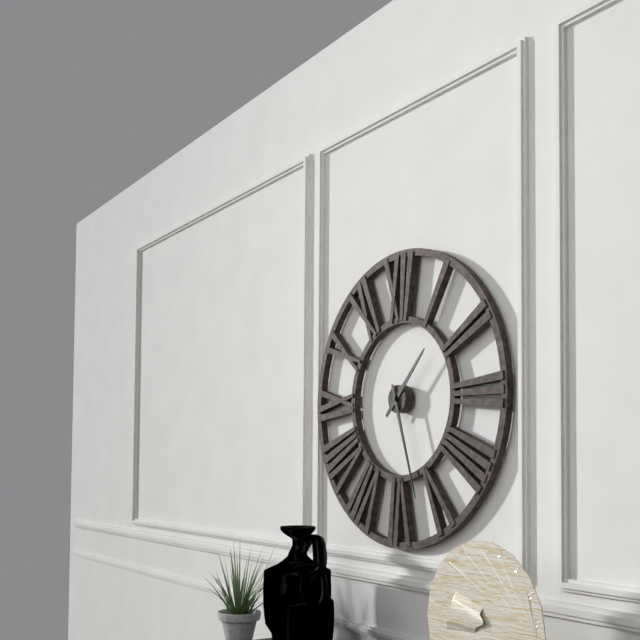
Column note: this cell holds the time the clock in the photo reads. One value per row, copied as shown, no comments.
1:27
